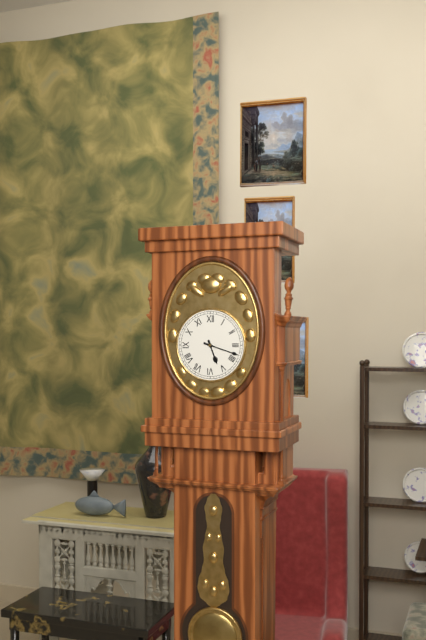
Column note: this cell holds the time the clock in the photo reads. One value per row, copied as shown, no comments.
5:18
